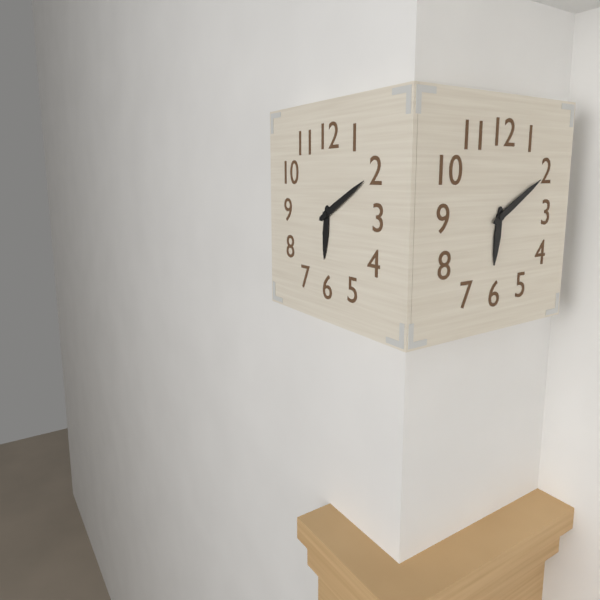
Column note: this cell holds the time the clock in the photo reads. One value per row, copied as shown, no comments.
6:10
